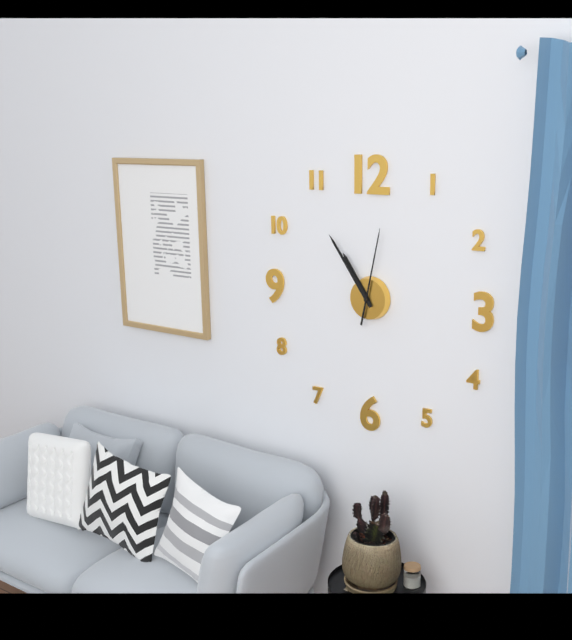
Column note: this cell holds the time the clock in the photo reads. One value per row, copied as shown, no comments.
10:54:02
